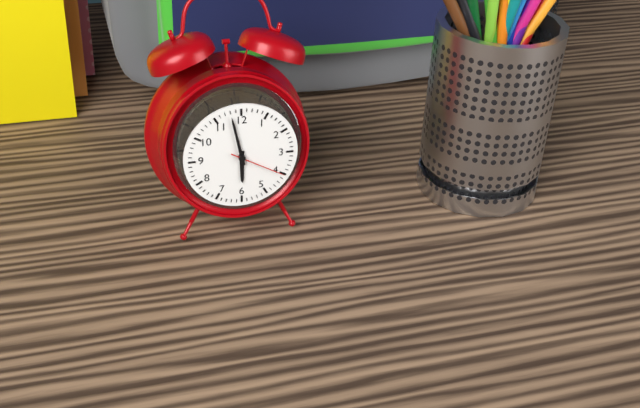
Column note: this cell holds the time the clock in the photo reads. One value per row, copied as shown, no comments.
5:58:20
